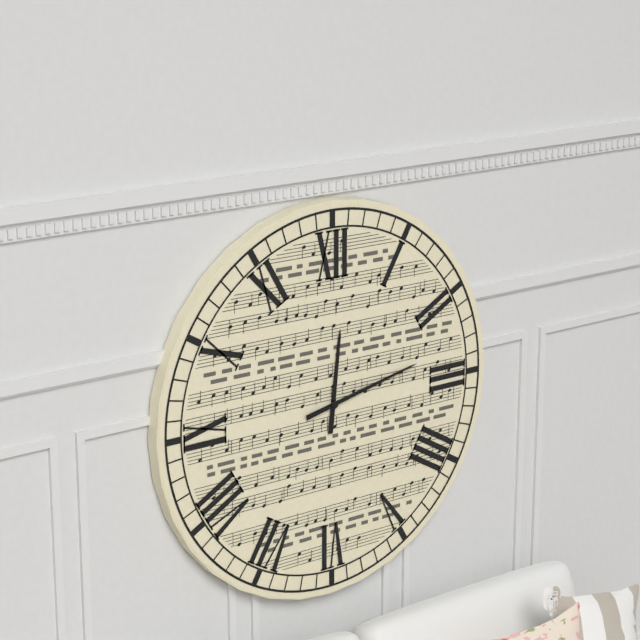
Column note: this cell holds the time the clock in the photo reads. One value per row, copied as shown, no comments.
12:13
